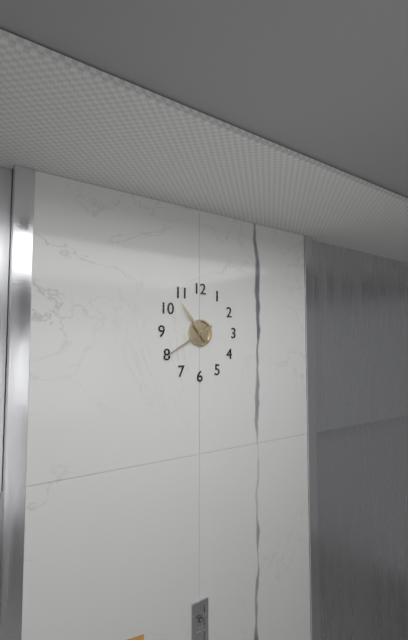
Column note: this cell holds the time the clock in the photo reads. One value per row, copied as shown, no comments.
10:40
